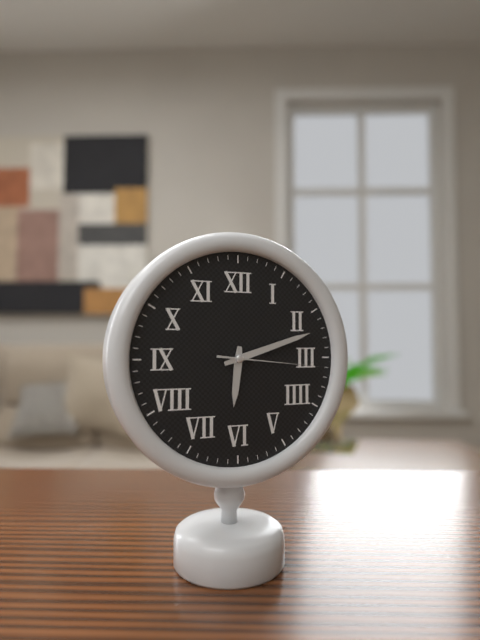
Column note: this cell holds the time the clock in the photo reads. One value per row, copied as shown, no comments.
6:12:16
